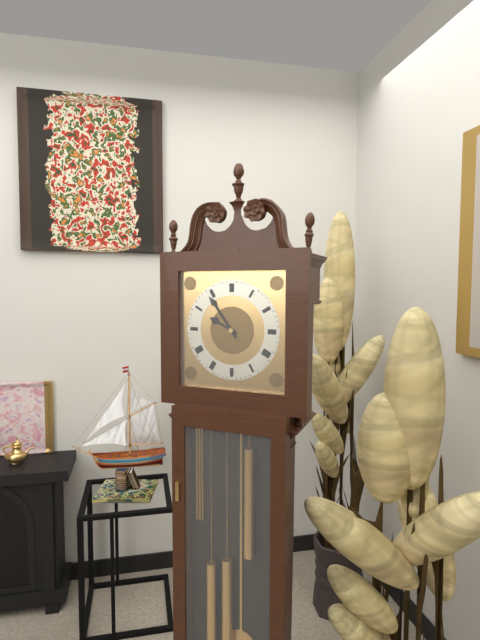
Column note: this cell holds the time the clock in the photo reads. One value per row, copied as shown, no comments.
9:54
